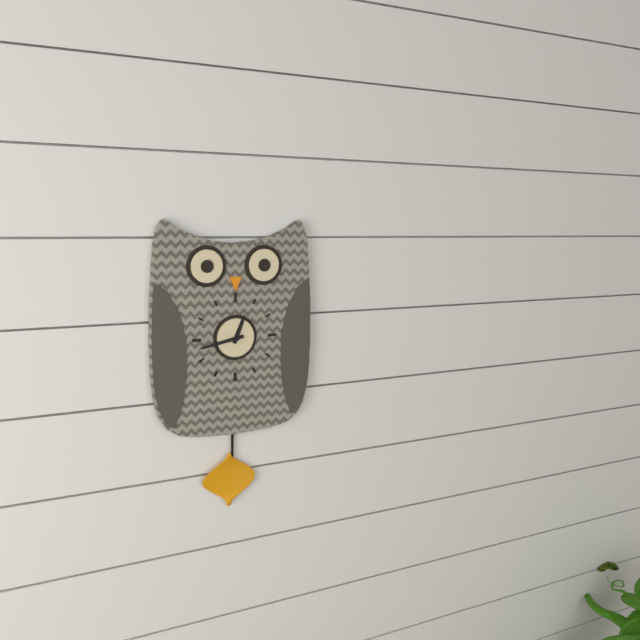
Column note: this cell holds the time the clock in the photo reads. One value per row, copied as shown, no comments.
12:43
